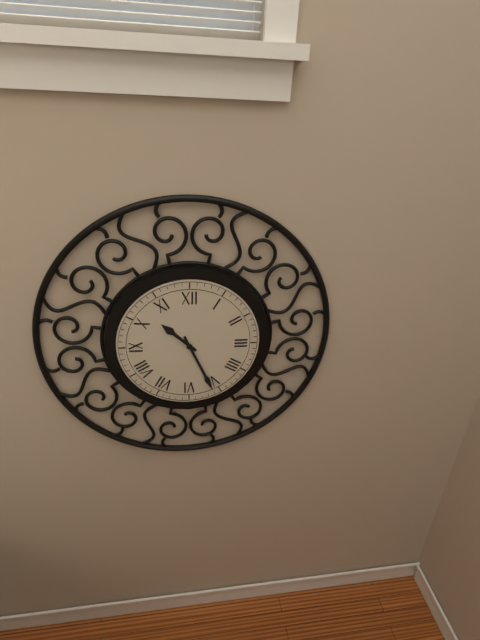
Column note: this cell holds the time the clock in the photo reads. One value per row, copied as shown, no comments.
10:26
